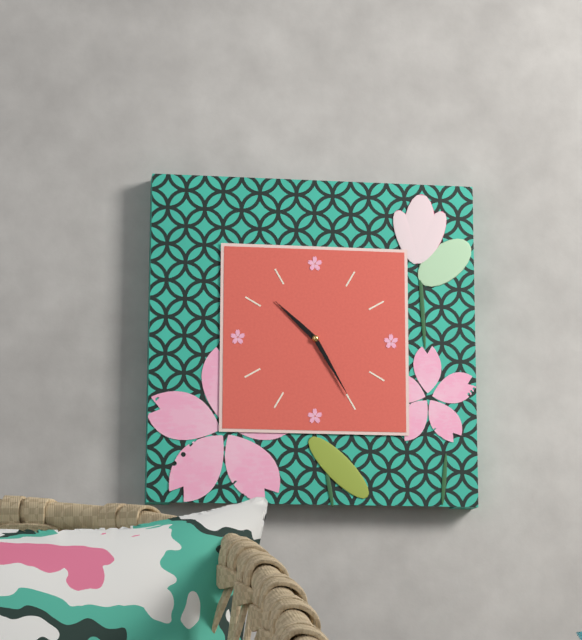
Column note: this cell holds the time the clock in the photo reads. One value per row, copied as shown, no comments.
10:25
